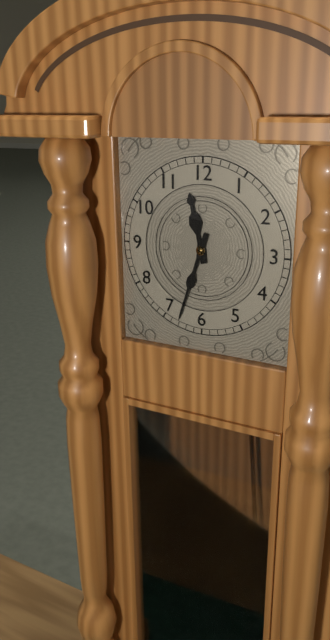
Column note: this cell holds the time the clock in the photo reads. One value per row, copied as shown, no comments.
11:33
